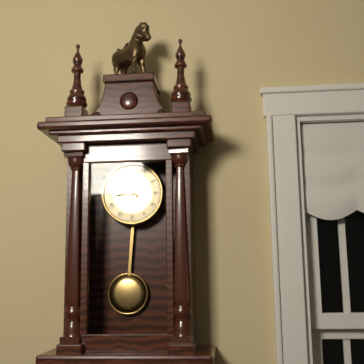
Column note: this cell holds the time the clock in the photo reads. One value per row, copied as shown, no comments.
8:50
